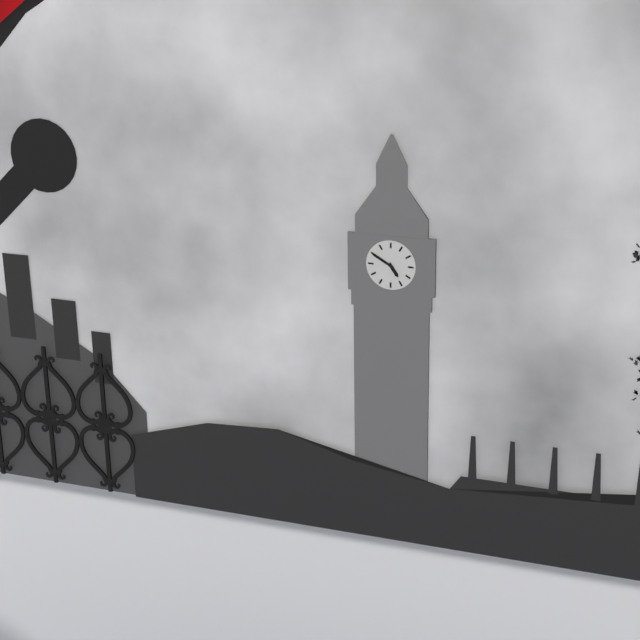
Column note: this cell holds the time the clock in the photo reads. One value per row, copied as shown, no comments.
4:50
